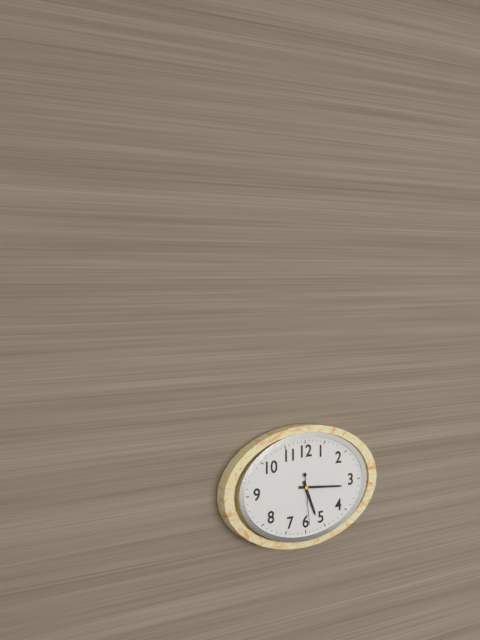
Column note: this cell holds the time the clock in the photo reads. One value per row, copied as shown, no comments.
5:16
